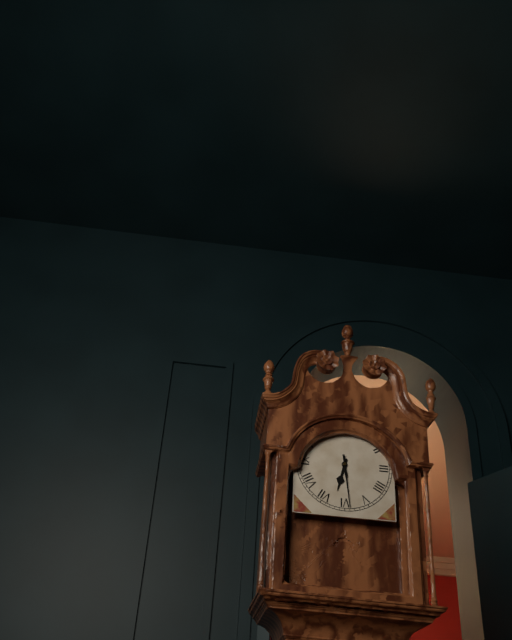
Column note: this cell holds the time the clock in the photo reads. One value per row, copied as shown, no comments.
6:29
